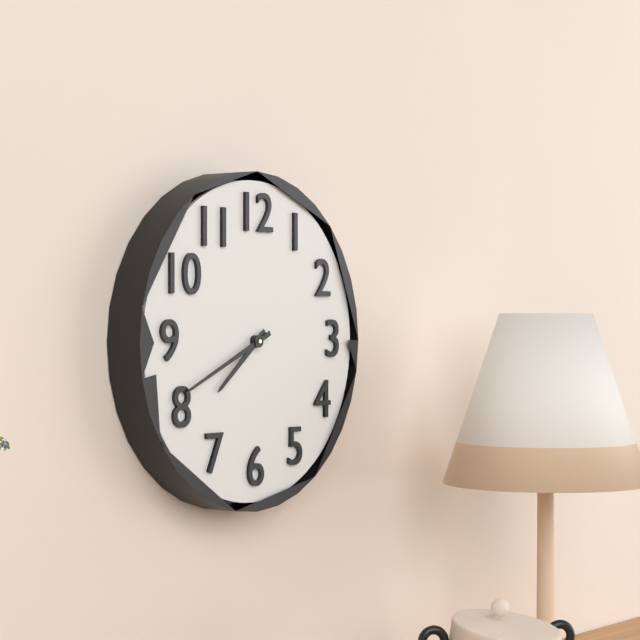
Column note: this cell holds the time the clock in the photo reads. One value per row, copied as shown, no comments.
7:41
